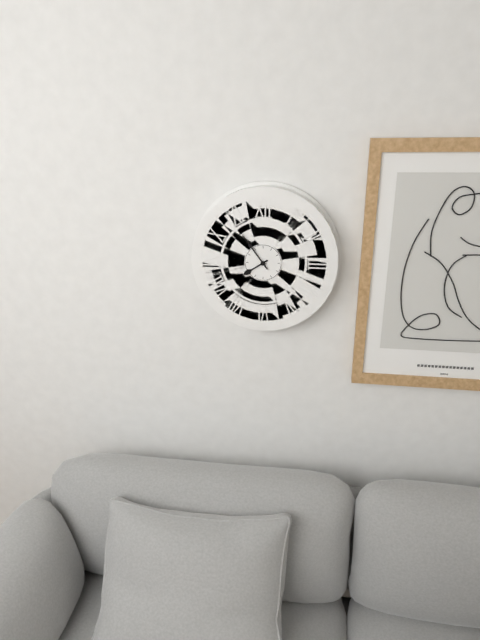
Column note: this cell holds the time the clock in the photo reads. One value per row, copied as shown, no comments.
7:54
